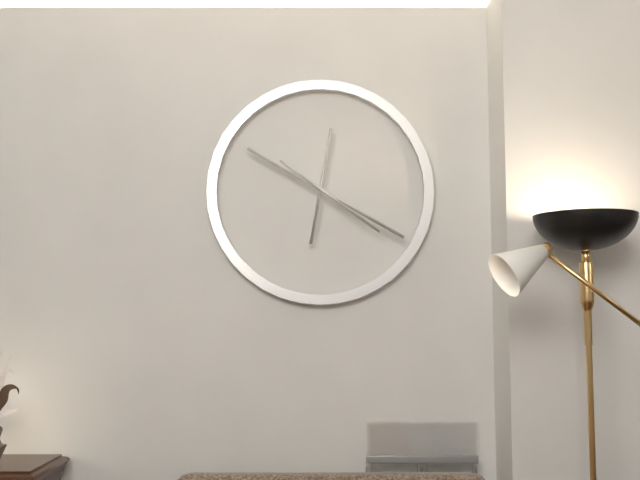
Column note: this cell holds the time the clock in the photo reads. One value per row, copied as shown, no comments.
12:20:21
